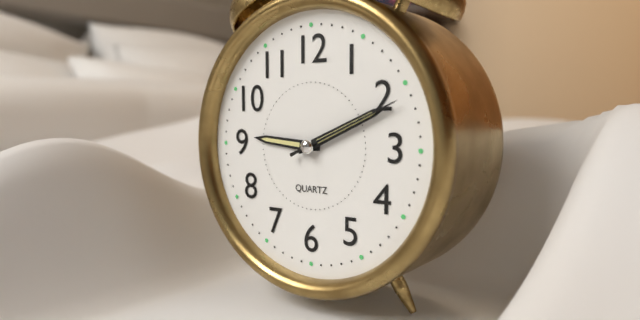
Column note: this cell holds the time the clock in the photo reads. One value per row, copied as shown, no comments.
9:11:11
